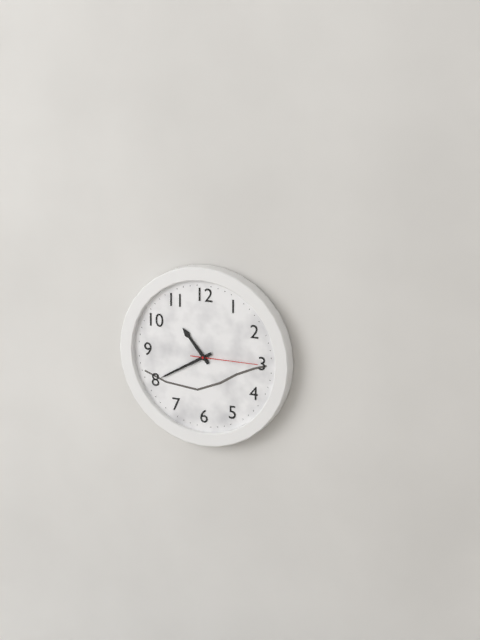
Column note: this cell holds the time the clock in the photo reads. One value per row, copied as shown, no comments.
10:40:15
